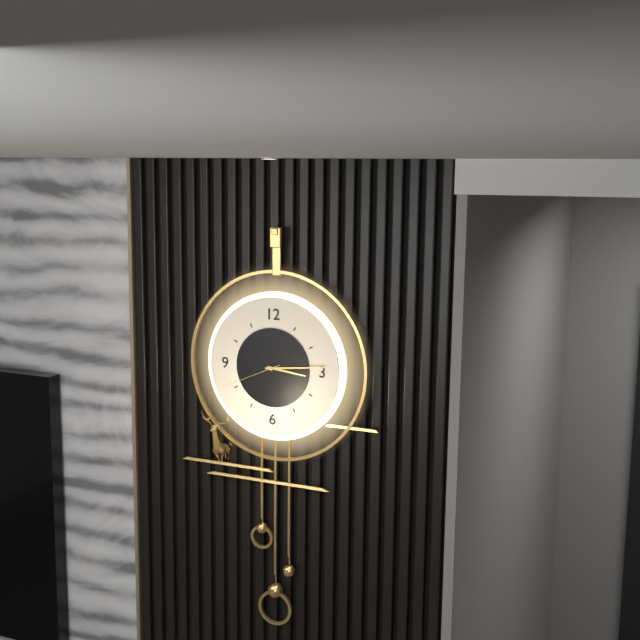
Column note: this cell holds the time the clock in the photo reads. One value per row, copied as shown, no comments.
3:14:41
